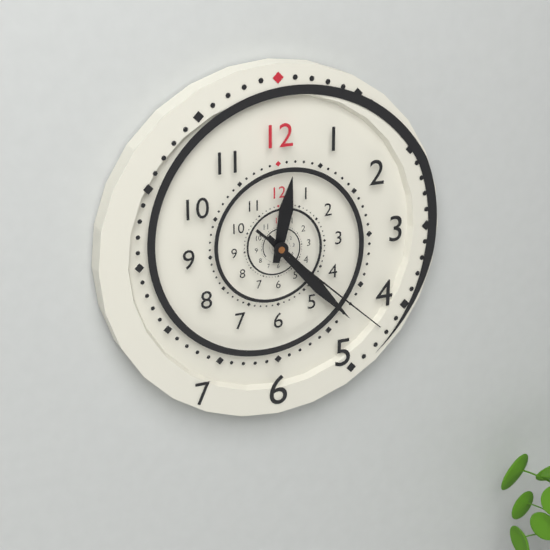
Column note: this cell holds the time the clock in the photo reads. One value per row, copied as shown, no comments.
12:23:22
